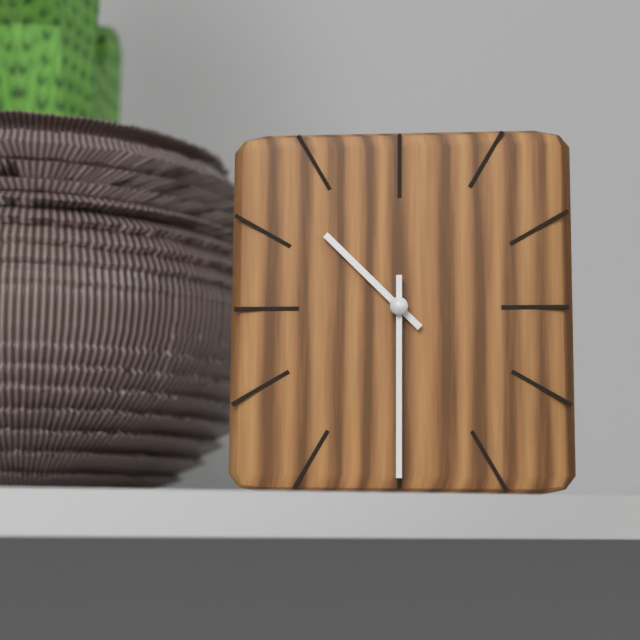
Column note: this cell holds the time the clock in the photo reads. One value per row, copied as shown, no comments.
10:30
